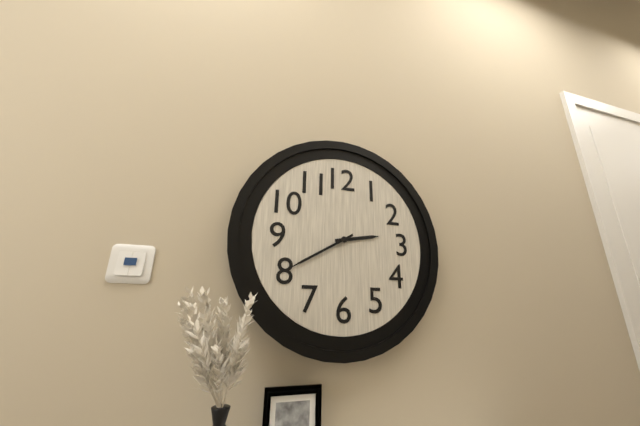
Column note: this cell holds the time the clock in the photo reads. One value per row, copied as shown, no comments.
2:40
